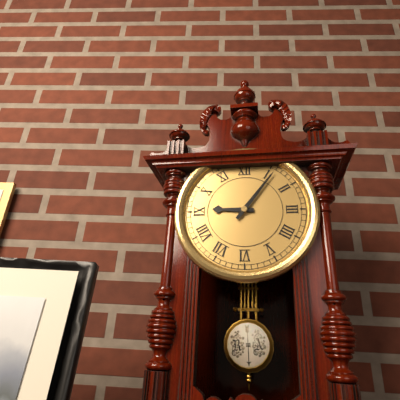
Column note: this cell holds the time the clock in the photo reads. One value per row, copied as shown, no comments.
9:06
